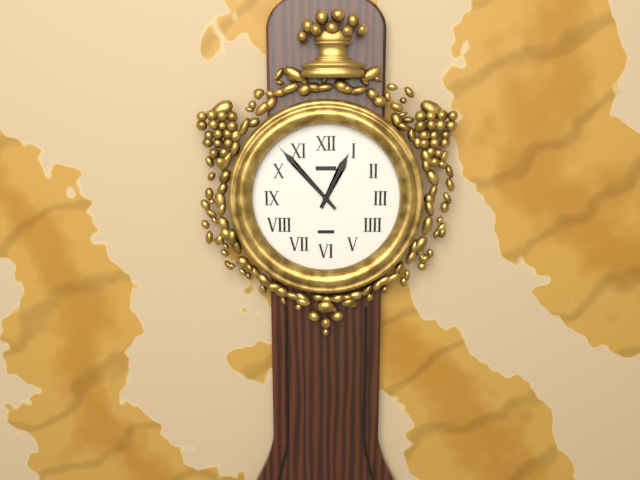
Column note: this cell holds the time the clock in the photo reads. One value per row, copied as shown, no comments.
12:53
